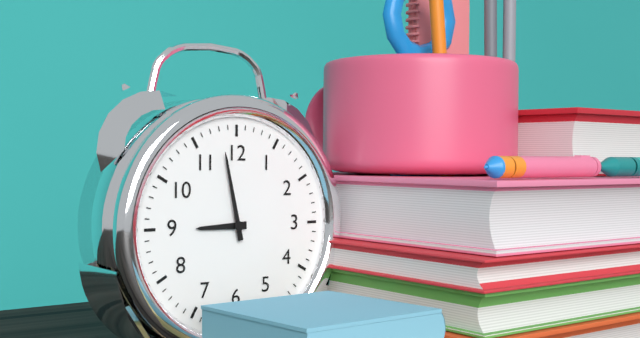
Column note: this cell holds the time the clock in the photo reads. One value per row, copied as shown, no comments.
8:58
